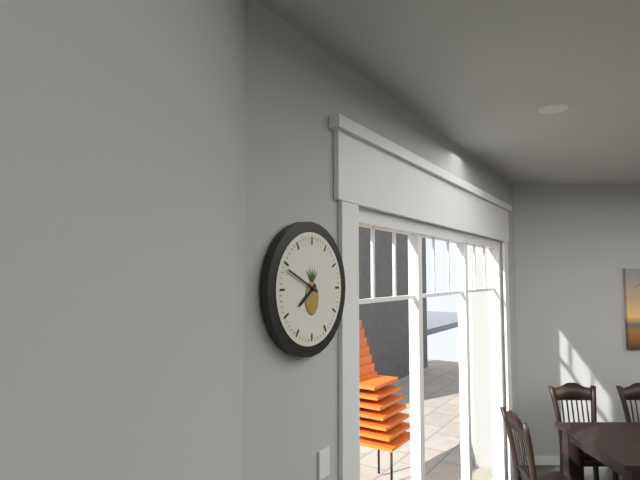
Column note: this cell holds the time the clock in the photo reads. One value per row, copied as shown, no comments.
7:49
